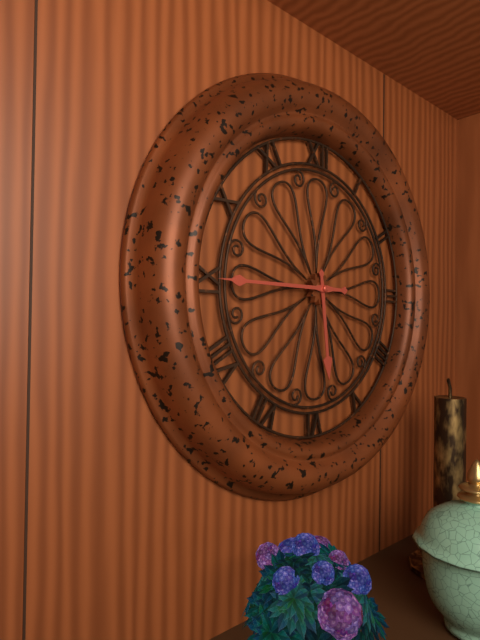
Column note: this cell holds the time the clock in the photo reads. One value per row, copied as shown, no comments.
5:45
